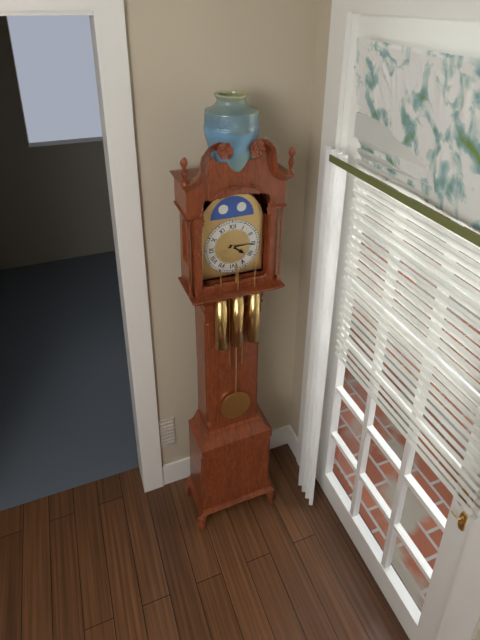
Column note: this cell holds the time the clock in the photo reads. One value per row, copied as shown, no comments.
4:15
